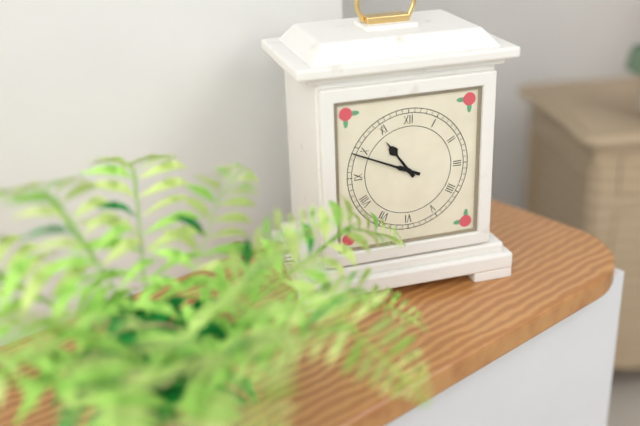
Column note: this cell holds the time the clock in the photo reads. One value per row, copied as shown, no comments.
10:49
